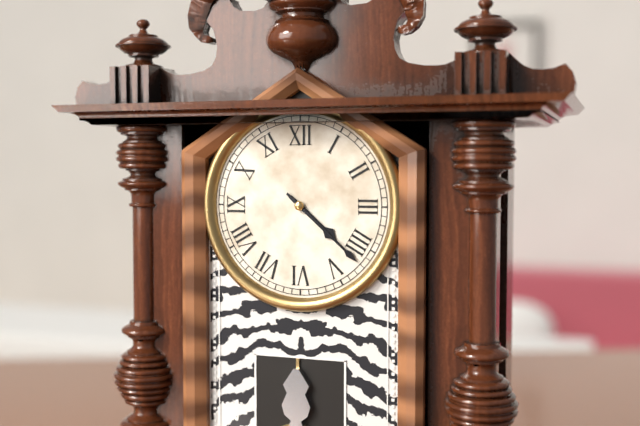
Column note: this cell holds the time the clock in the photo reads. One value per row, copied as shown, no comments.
4:22
